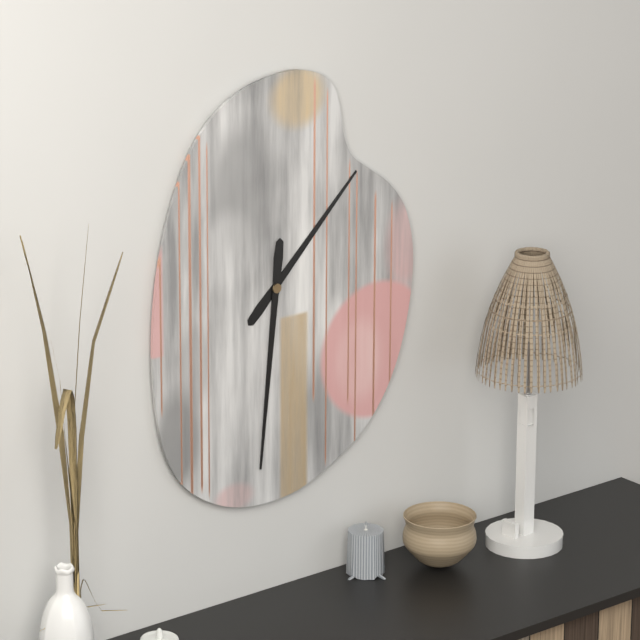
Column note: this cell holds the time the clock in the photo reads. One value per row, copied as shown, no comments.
1:31
